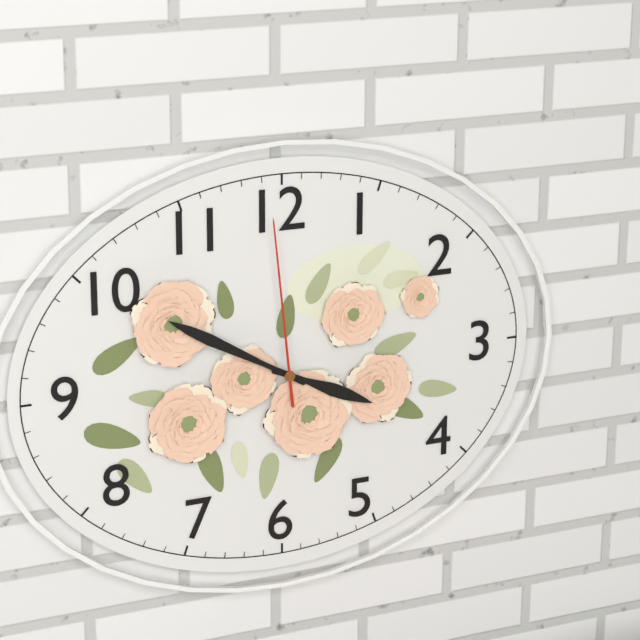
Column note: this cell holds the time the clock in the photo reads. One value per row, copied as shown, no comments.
3:50:59
